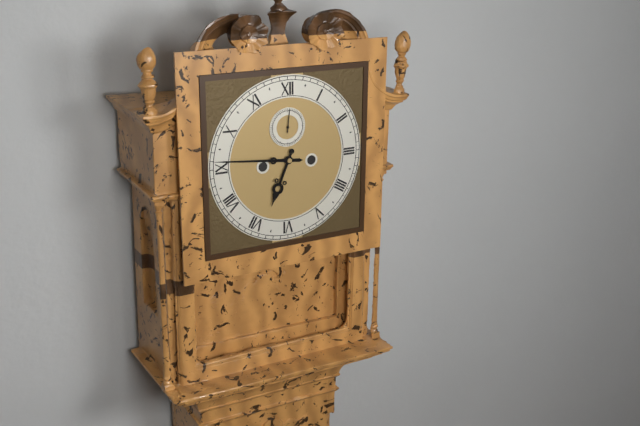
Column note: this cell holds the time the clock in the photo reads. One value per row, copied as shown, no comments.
6:46
